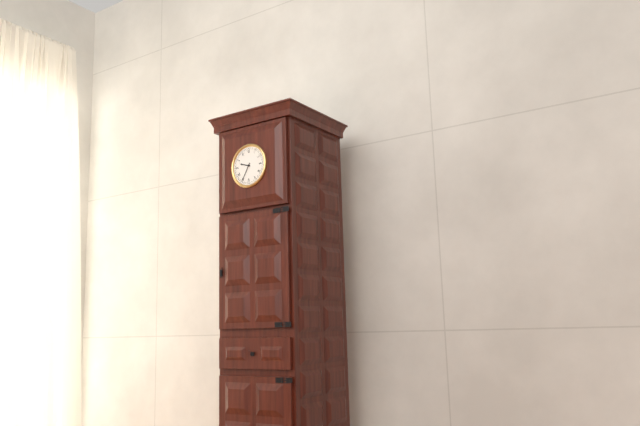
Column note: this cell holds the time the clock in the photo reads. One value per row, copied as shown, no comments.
9:35
